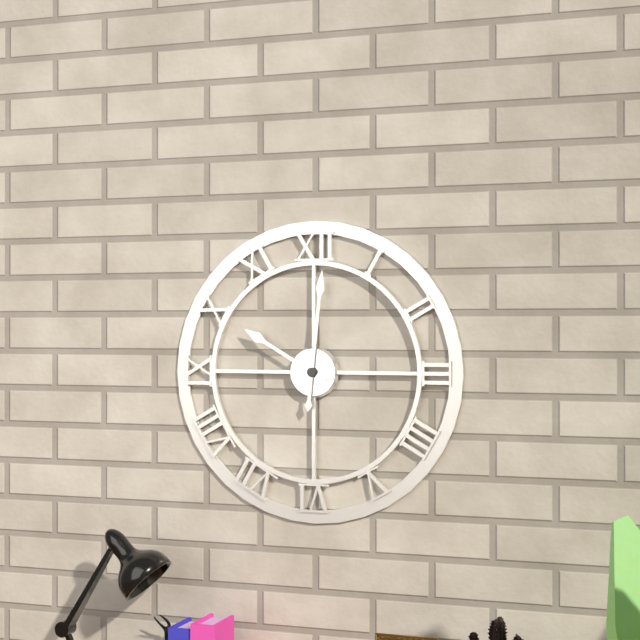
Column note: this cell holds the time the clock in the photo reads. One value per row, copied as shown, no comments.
10:01
